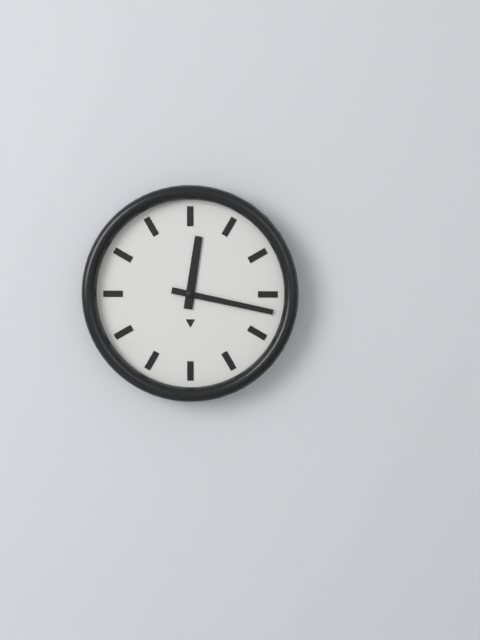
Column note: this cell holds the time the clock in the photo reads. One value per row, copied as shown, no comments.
12:17
